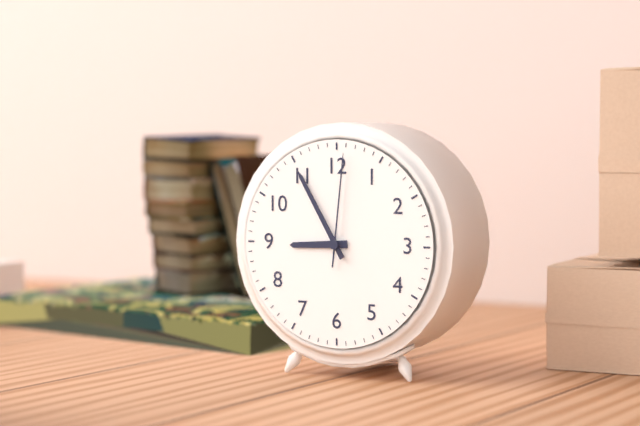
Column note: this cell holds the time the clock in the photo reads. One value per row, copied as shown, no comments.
8:55:01
